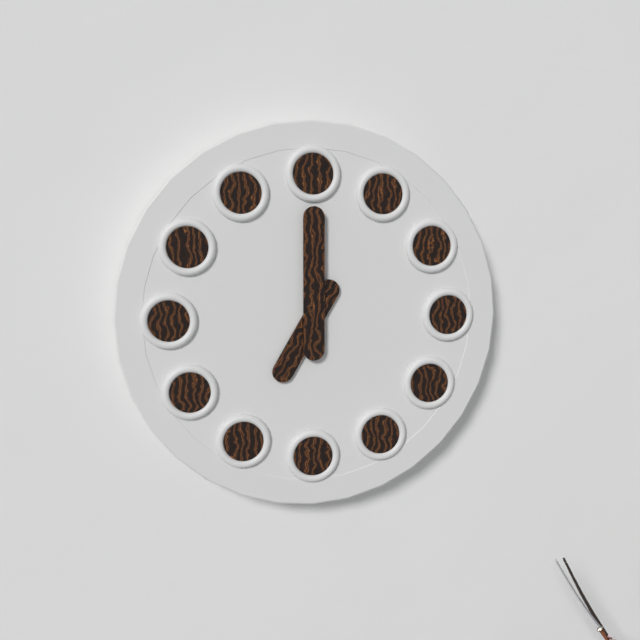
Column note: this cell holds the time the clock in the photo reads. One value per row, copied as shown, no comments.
7:00
